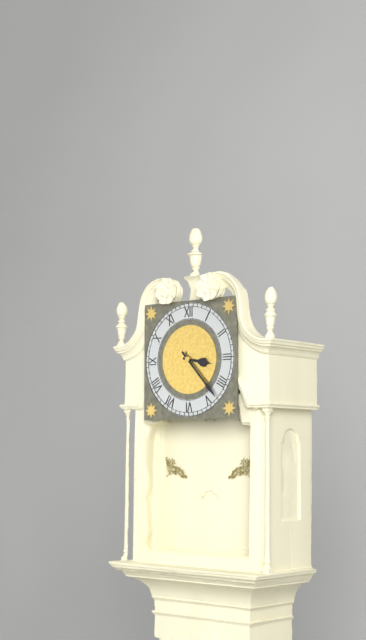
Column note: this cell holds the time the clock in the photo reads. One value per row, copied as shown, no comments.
3:23
